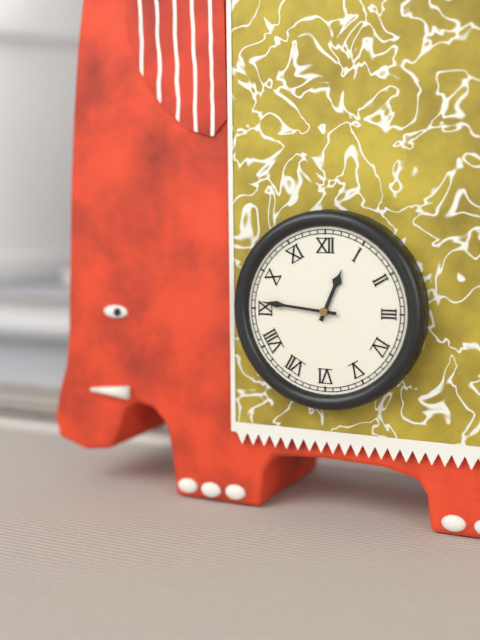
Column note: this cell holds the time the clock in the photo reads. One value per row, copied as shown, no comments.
12:46
